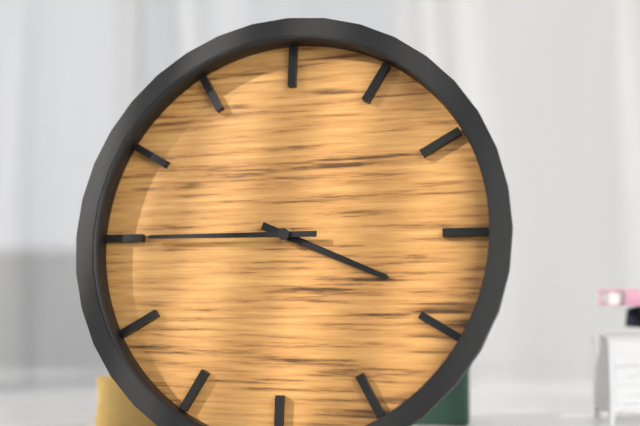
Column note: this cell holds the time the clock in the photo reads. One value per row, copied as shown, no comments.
3:45
